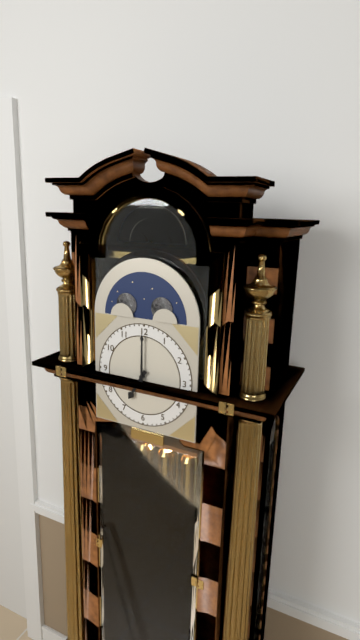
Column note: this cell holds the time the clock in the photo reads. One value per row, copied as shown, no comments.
7:00
